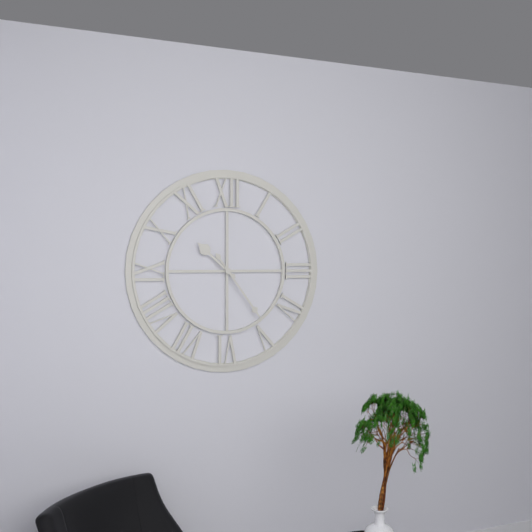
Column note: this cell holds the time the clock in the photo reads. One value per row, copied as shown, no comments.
10:24
